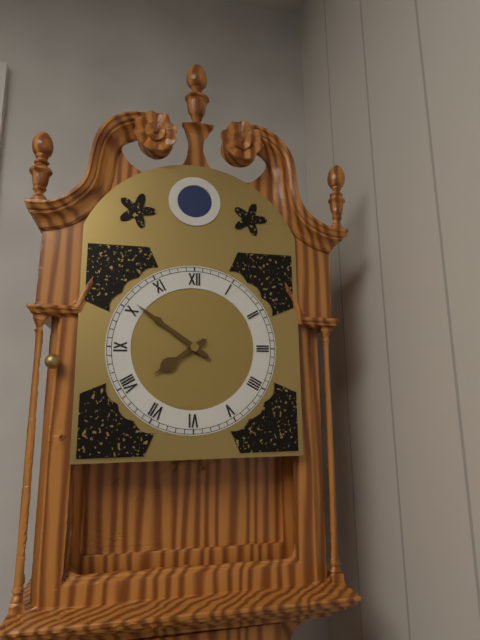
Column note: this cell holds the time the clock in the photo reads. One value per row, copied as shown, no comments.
7:51
